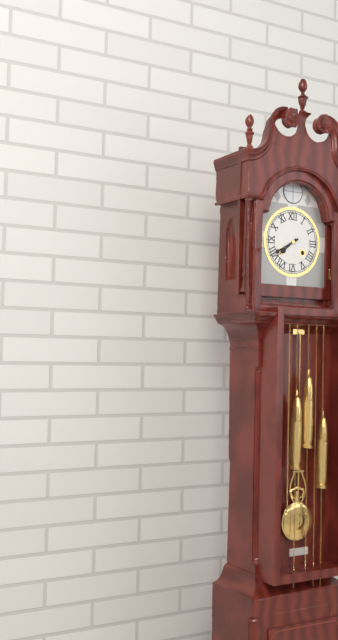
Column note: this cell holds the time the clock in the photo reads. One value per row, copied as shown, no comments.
7:40
